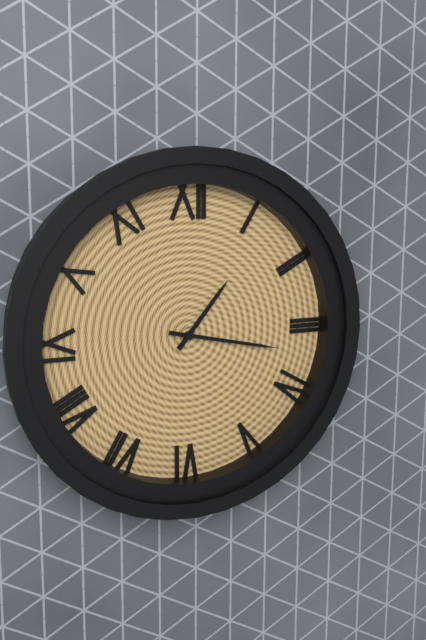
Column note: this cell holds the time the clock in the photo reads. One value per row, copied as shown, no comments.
1:17
